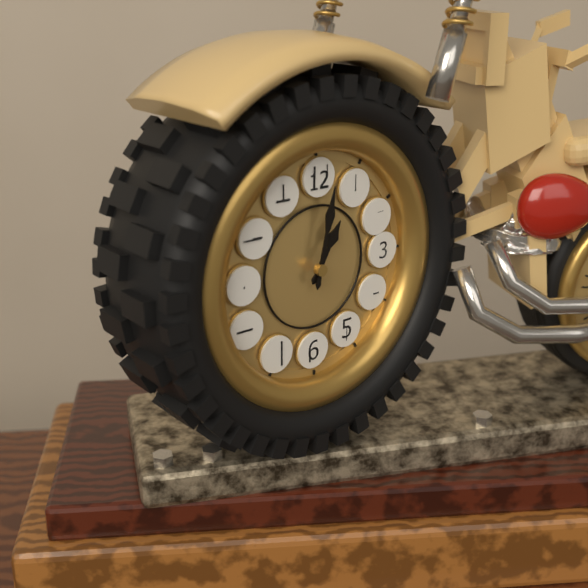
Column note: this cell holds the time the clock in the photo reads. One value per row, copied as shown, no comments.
1:02
